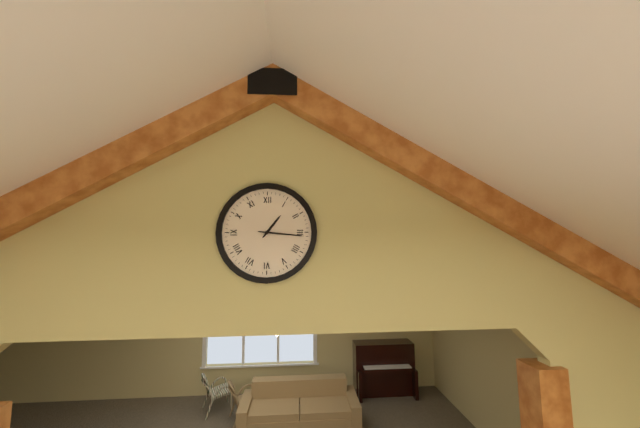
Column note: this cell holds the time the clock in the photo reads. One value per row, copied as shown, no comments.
1:16
